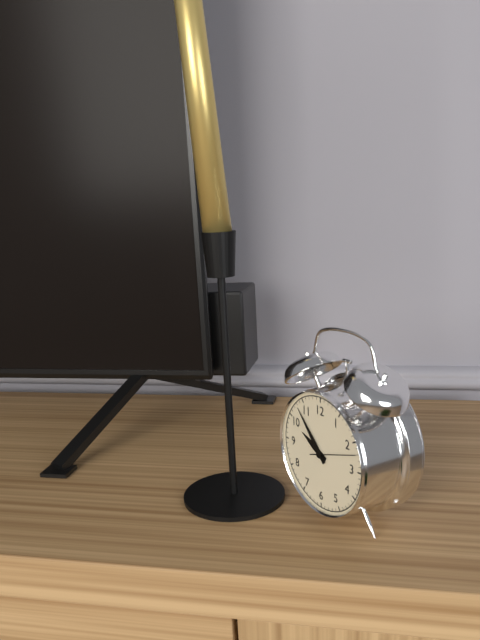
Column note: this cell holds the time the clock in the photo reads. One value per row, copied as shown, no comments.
9:53
